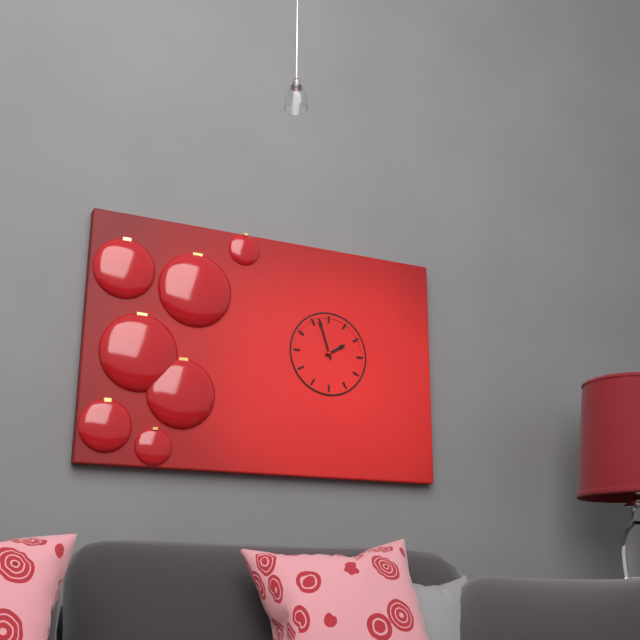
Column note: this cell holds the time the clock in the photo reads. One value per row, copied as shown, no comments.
1:57
